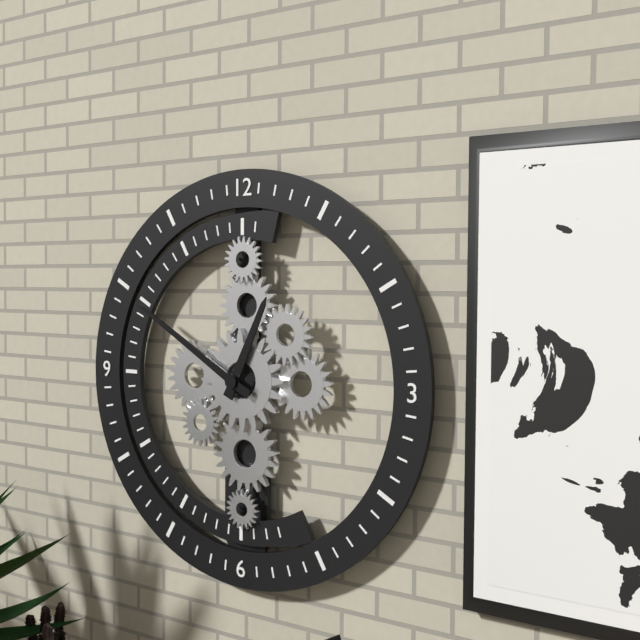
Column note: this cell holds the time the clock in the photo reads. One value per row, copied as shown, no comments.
12:50
